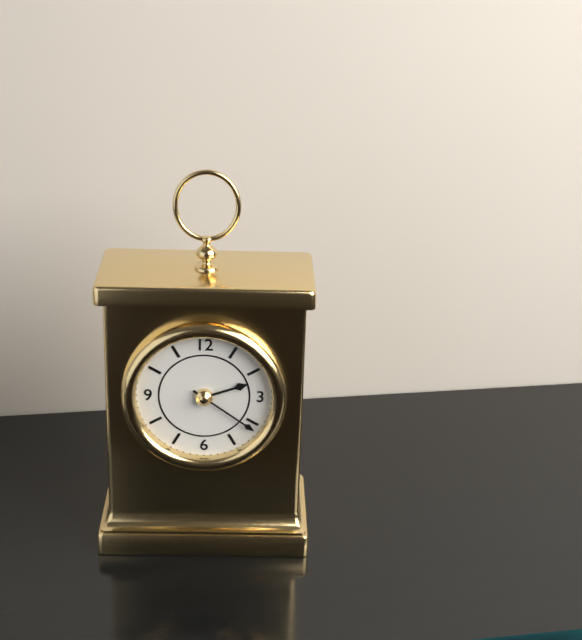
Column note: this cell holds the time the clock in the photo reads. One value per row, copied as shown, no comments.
2:21
